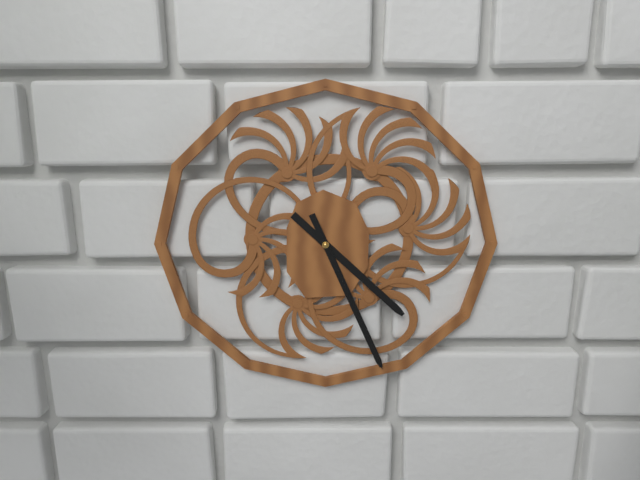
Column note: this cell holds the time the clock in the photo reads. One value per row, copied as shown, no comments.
4:26:26
